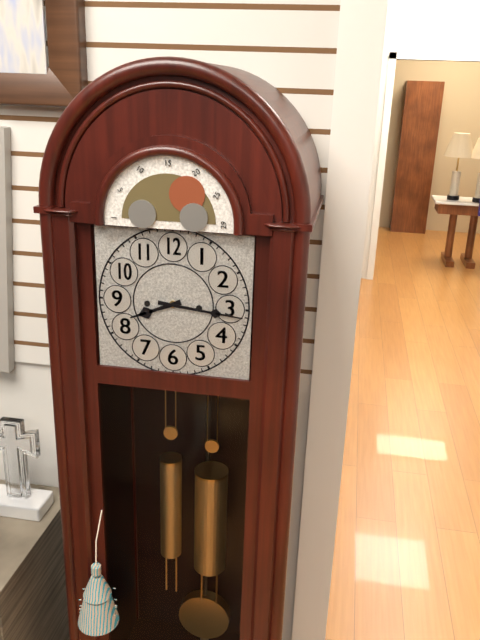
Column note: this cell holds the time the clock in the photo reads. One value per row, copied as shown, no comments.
8:16
